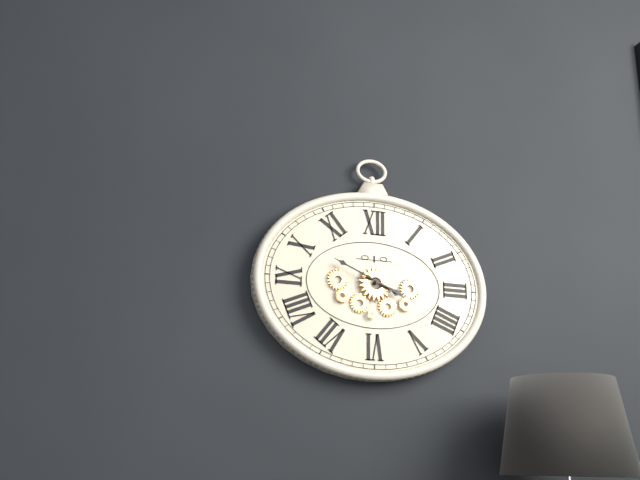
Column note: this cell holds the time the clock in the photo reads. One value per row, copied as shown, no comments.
3:49
